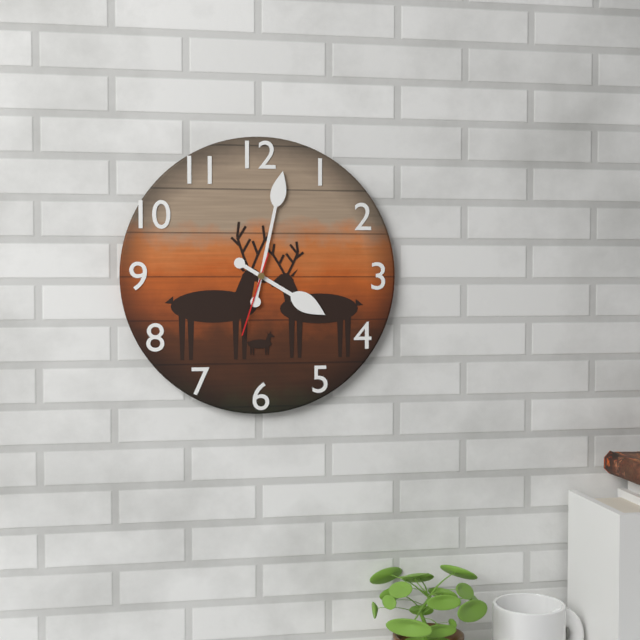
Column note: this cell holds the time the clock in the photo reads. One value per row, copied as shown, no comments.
4:02:33
